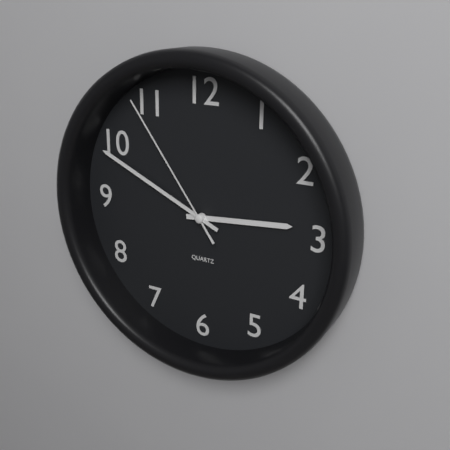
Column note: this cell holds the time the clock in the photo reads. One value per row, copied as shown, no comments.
2:49:54
